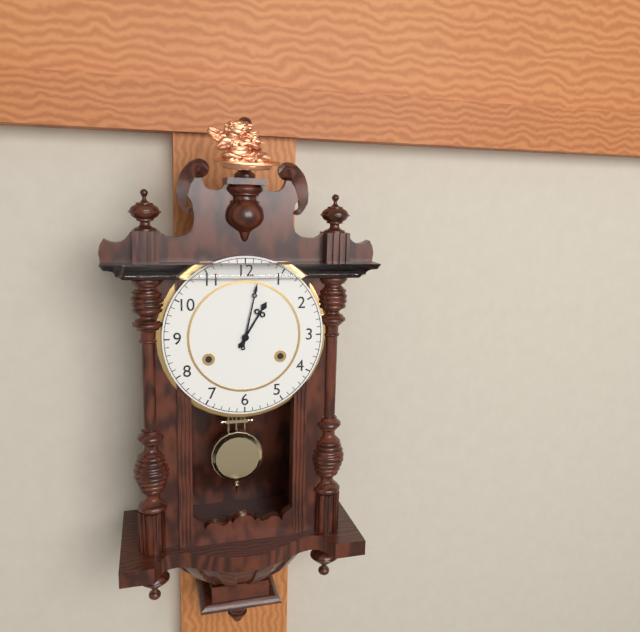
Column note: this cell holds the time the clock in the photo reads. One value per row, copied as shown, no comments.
1:02
